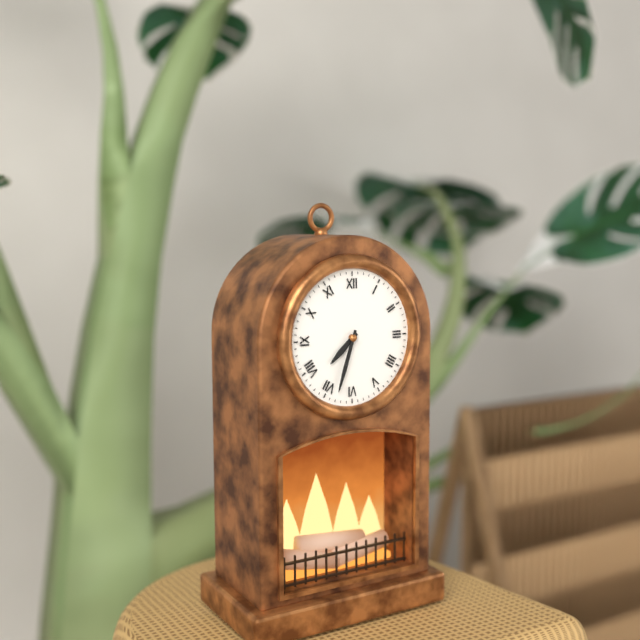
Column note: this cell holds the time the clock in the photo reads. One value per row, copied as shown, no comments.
7:33
